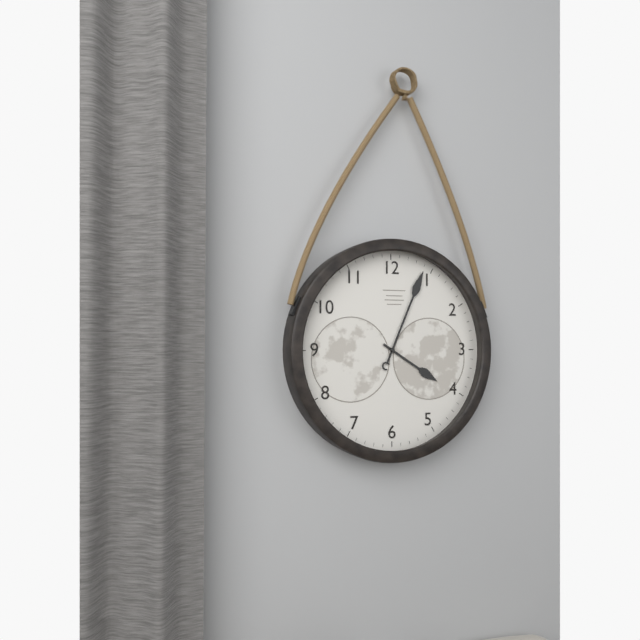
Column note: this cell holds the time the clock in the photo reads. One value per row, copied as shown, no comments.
4:04
